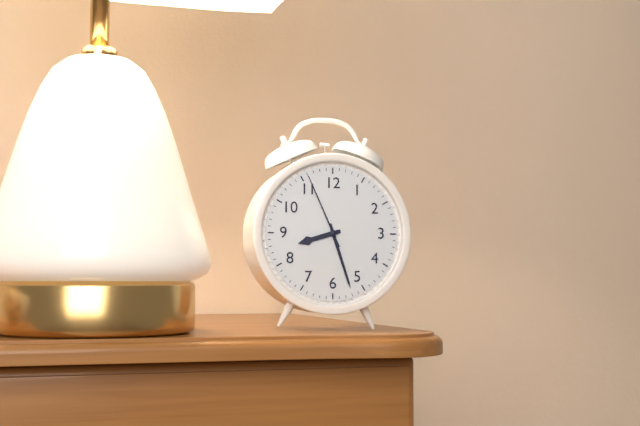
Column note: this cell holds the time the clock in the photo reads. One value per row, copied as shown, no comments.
8:27:56
